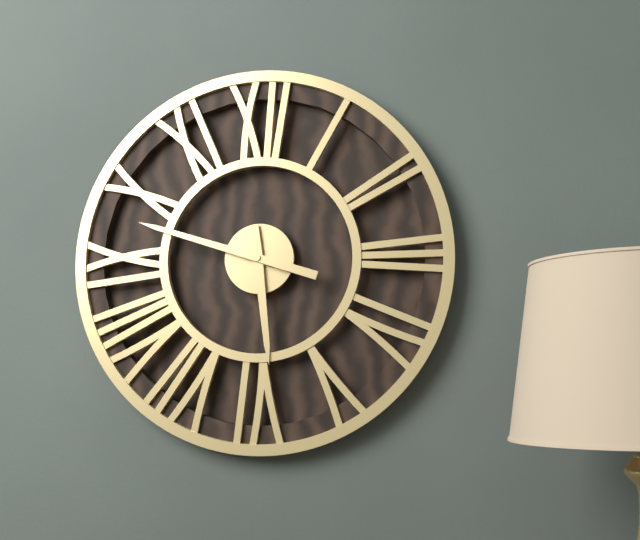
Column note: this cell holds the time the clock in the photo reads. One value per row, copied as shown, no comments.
5:48
